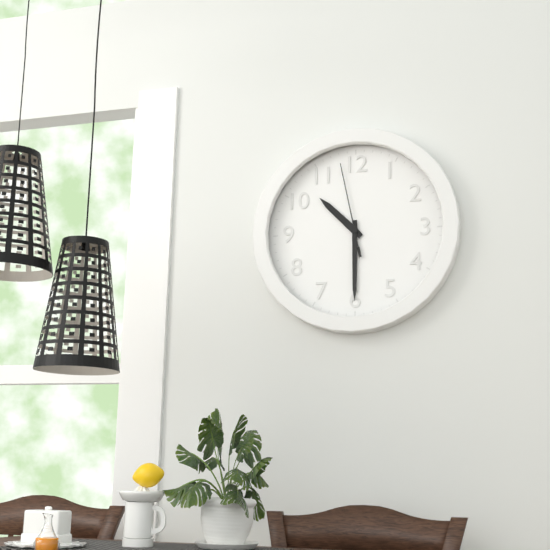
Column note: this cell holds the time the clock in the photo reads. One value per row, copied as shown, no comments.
10:30:58
